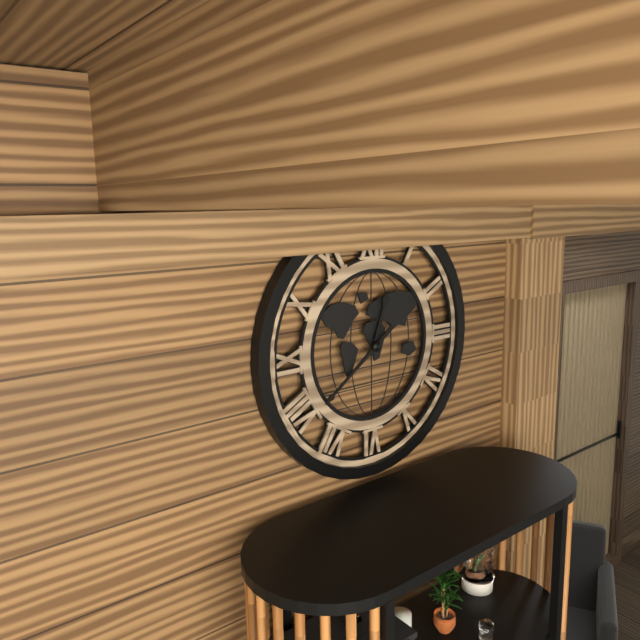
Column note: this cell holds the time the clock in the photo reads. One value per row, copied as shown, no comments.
12:39
